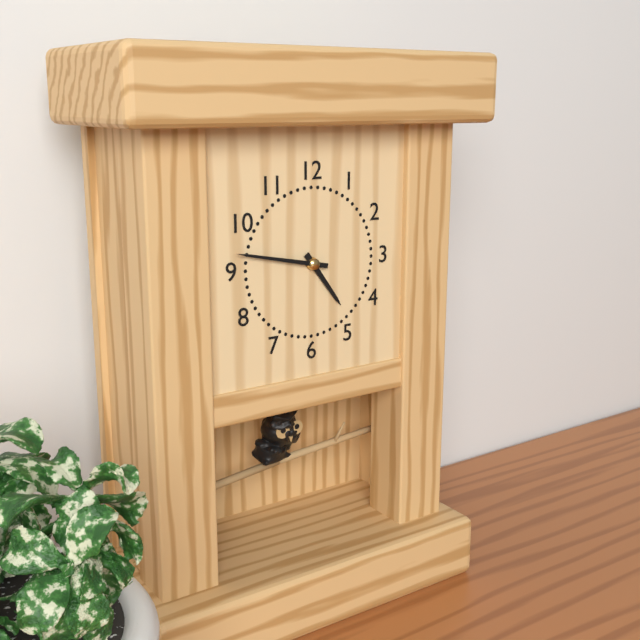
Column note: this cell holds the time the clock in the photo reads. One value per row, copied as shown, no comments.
4:47
